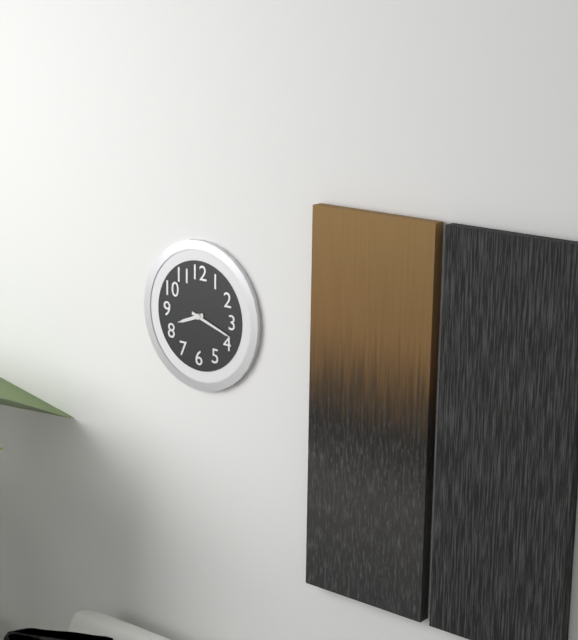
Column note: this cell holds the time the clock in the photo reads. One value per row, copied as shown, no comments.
8:18
